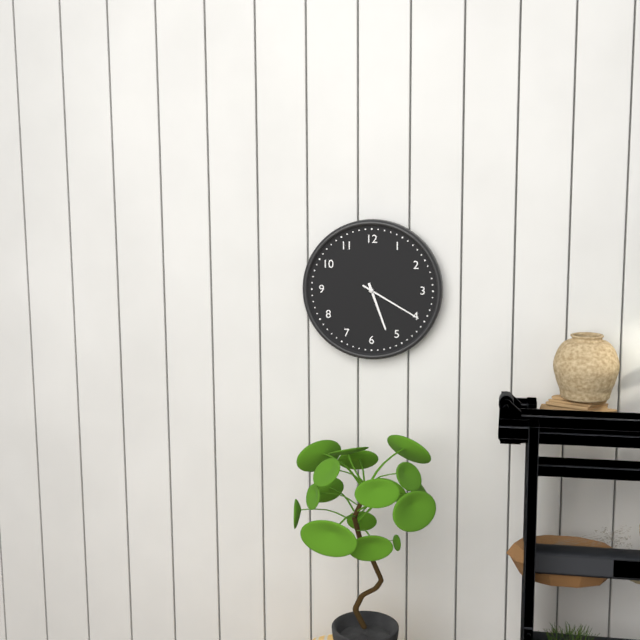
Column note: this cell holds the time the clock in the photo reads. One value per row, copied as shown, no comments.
5:20
